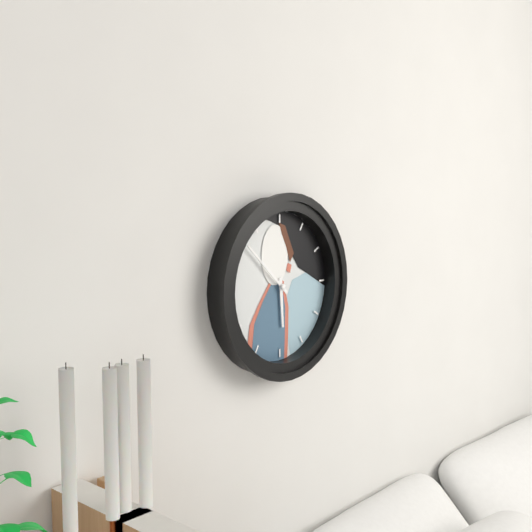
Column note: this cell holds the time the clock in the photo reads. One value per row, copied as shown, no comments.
5:52
